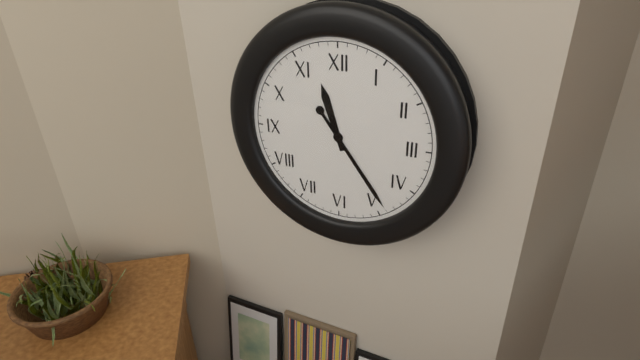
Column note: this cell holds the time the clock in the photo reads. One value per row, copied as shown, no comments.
11:24
